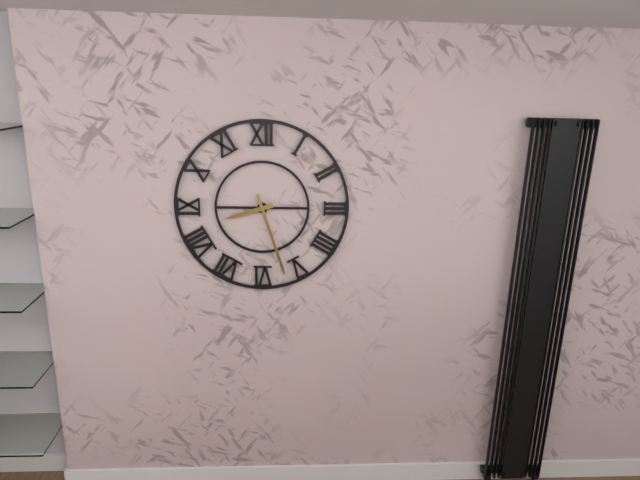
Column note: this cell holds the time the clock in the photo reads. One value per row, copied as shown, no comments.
8:27
